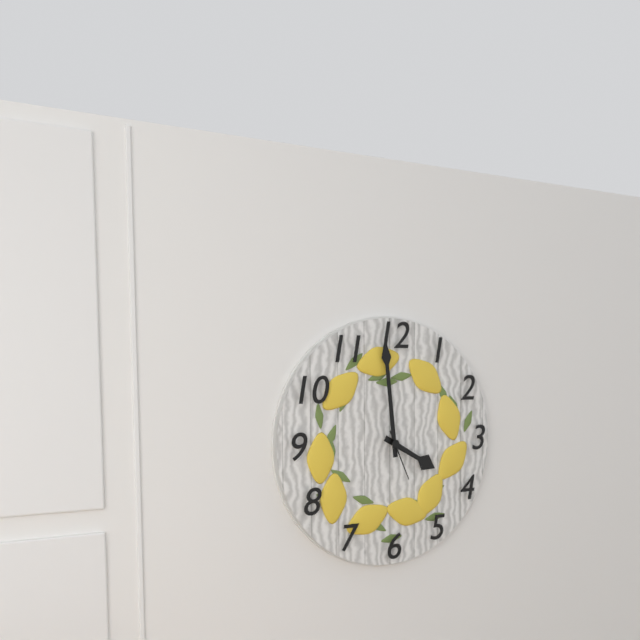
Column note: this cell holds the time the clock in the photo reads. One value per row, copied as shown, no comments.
3:59
